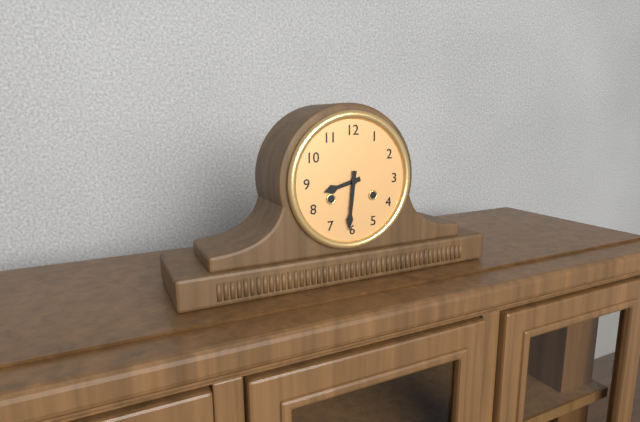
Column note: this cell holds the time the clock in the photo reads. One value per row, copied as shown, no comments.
8:31
